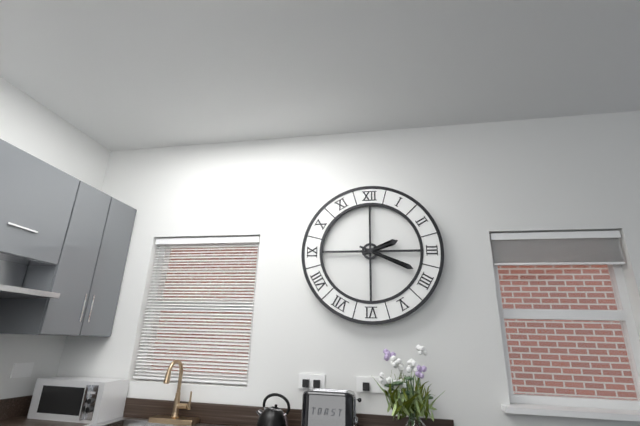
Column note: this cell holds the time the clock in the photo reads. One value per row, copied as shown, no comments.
2:19
